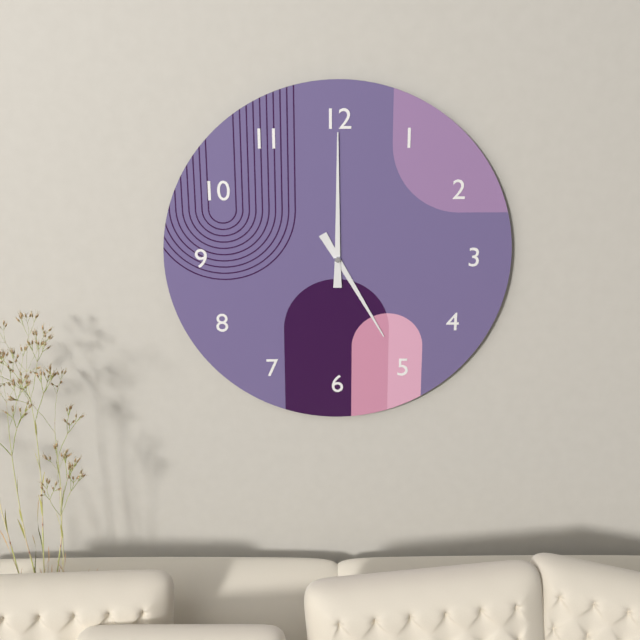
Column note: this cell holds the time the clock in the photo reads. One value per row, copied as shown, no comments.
5:00
